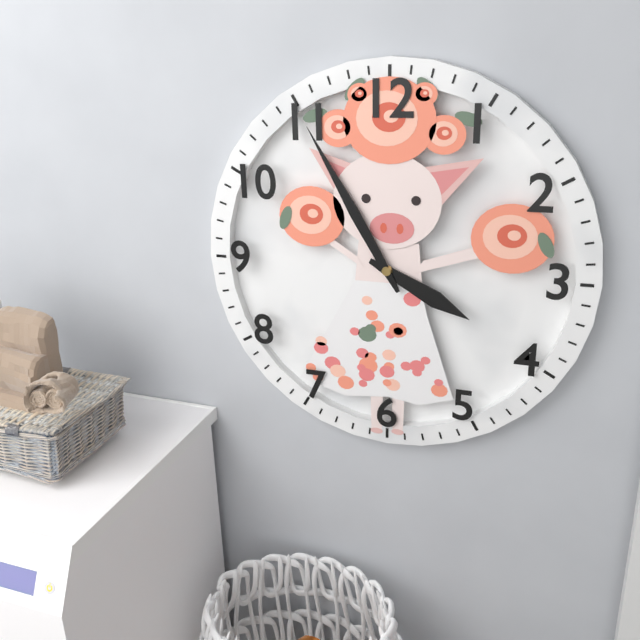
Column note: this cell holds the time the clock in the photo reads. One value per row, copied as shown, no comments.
3:55
